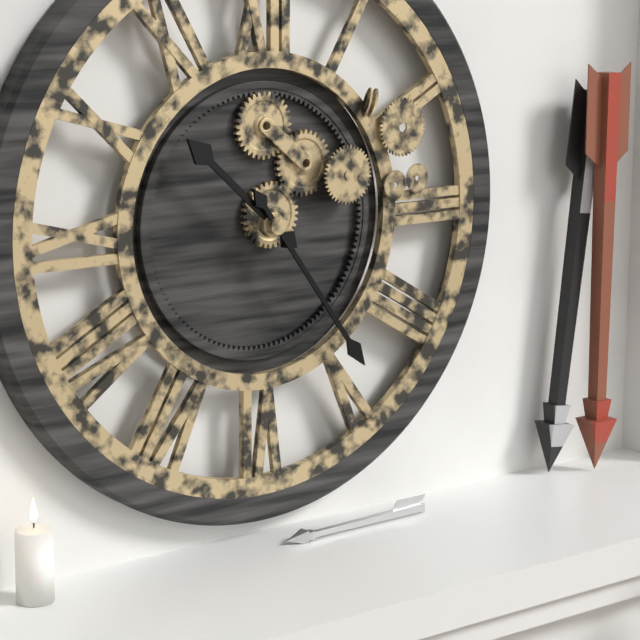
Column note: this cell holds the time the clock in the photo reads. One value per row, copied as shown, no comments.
10:24
